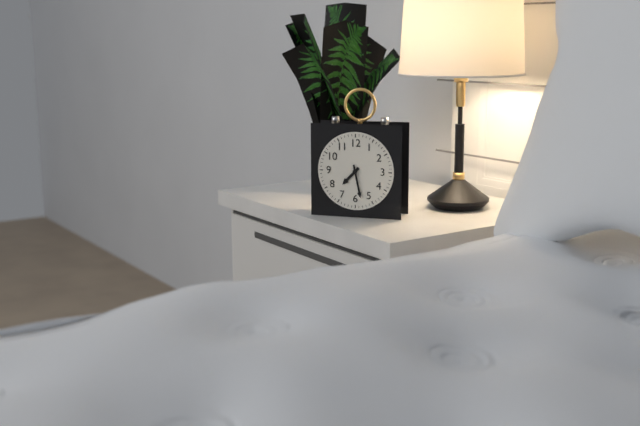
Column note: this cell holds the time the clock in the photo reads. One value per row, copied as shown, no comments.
7:28
